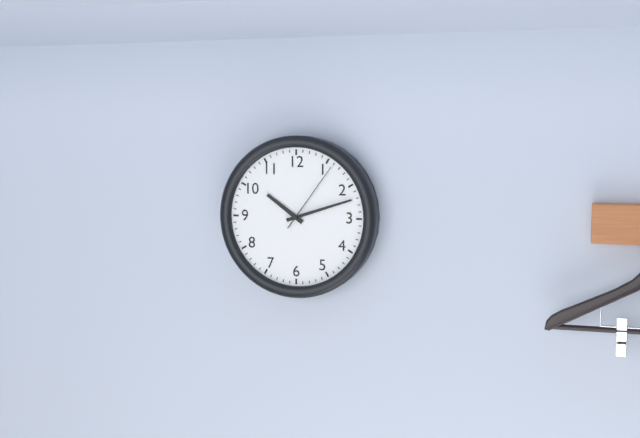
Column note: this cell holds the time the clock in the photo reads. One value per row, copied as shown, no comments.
10:12:06
